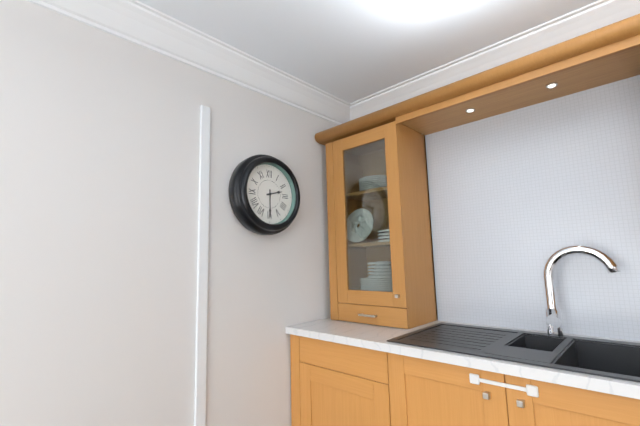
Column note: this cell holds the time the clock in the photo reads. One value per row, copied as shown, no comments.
2:30
